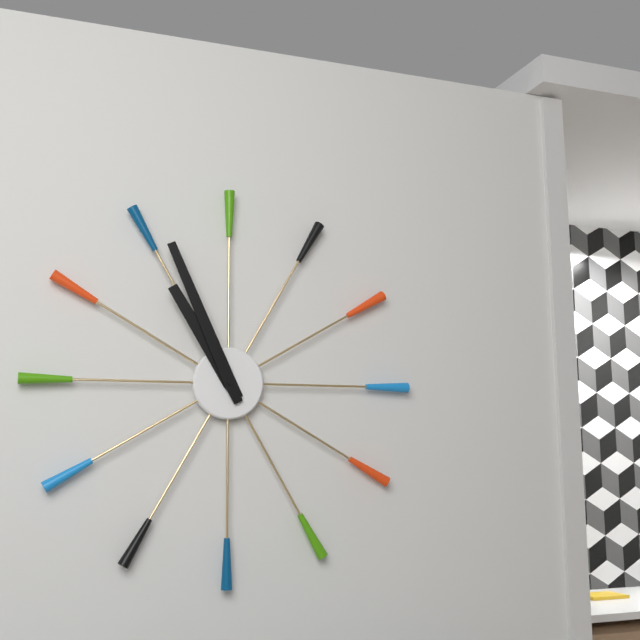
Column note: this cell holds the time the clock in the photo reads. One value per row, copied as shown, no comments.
10:56
